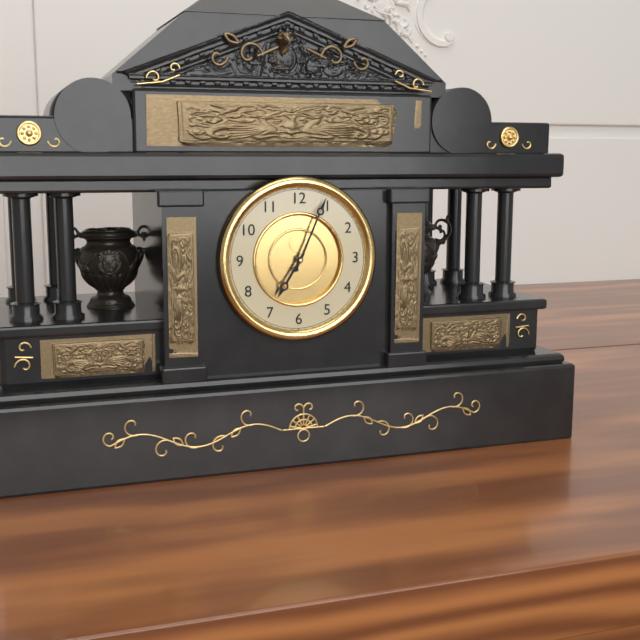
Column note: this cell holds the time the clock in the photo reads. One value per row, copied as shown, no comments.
7:04
